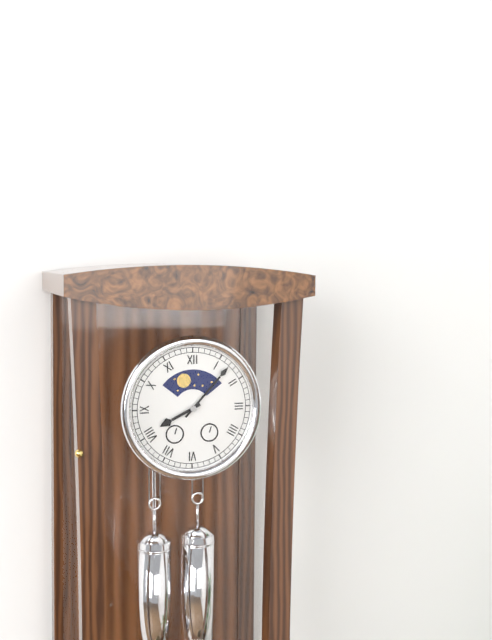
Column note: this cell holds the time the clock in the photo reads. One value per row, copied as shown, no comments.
8:07
